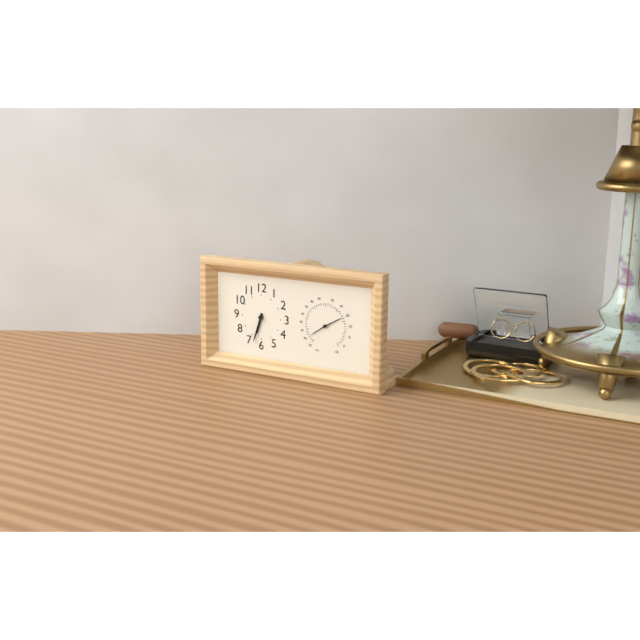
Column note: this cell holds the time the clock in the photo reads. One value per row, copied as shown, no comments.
6:33
